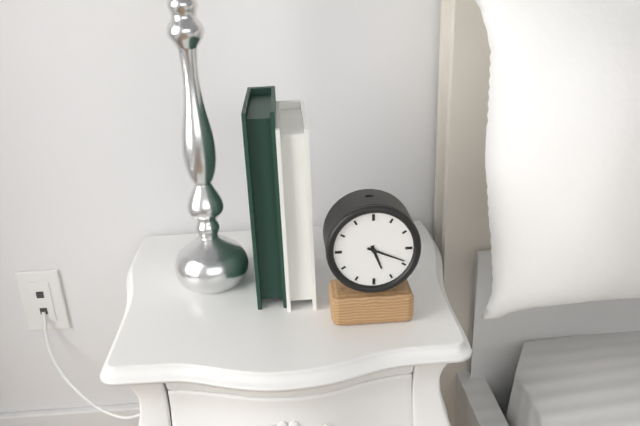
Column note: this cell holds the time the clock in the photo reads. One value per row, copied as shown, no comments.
5:19
